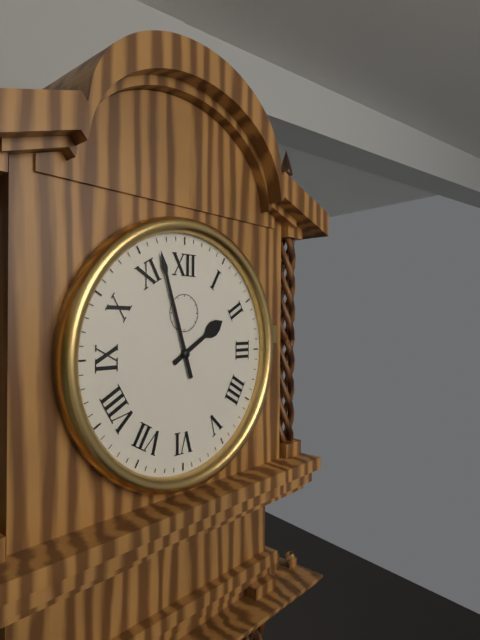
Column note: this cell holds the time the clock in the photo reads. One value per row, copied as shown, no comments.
1:57
